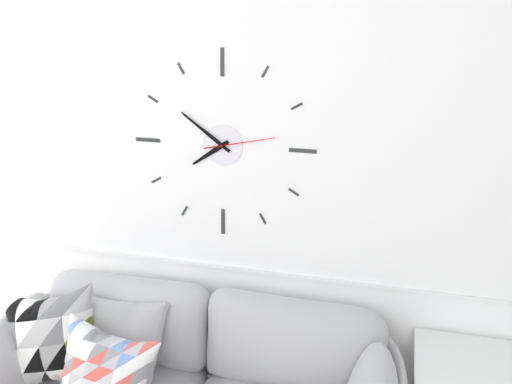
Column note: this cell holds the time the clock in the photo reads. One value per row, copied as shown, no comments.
7:51:13
